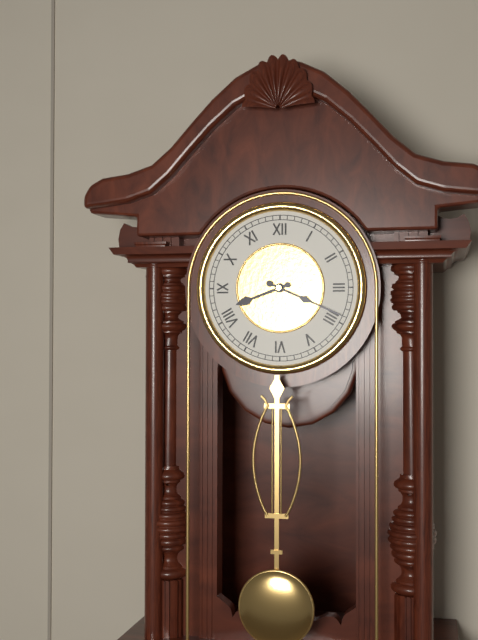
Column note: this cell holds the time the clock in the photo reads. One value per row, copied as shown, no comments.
8:19
